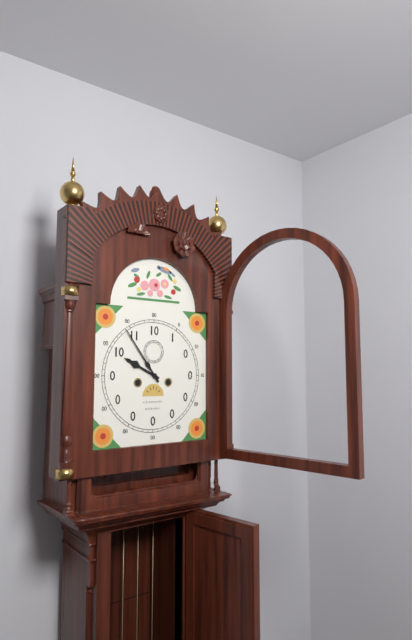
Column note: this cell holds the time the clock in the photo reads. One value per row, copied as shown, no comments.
9:54
